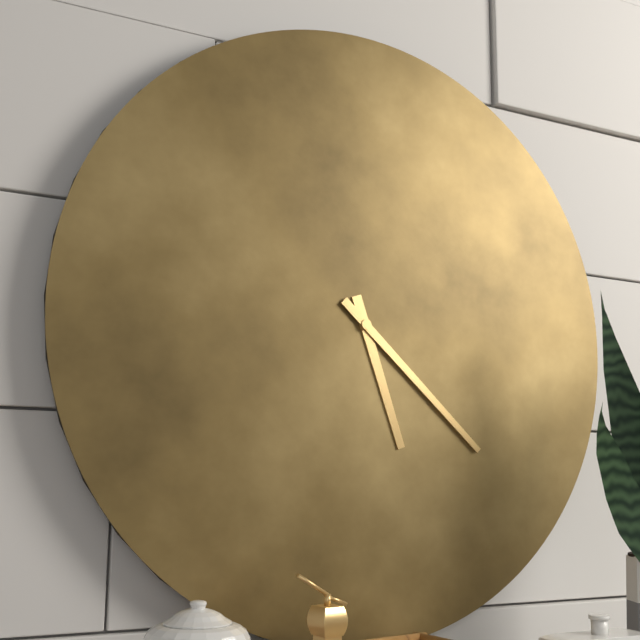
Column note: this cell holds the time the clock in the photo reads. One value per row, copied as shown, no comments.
5:22
